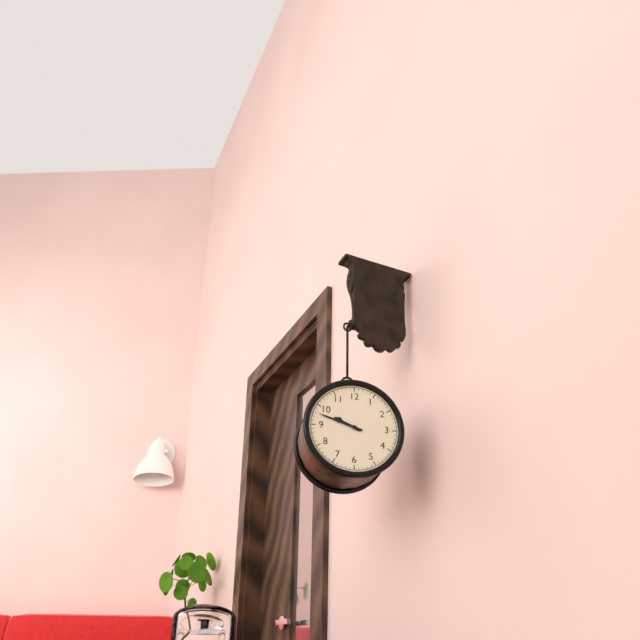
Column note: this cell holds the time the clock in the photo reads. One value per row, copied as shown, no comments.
9:48
